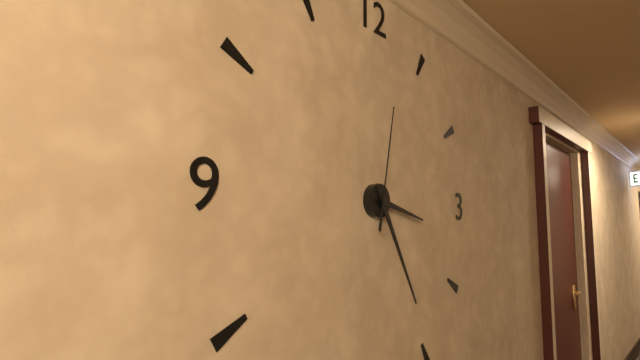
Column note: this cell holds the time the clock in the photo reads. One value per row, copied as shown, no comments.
3:25:02
